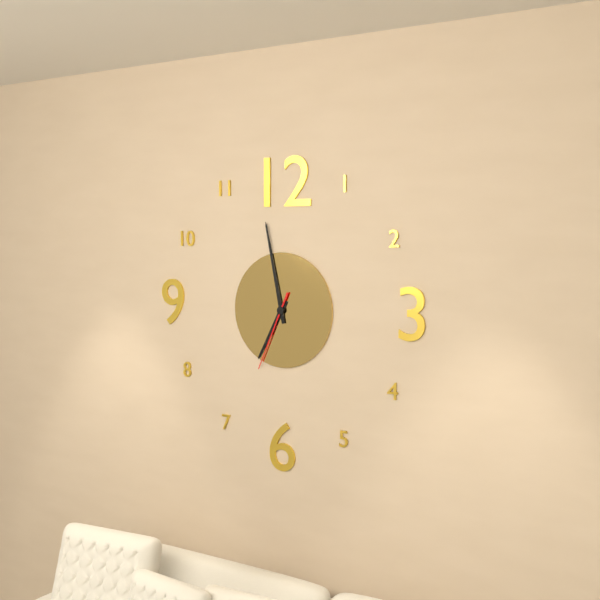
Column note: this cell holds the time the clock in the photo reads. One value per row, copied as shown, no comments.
6:58:34
